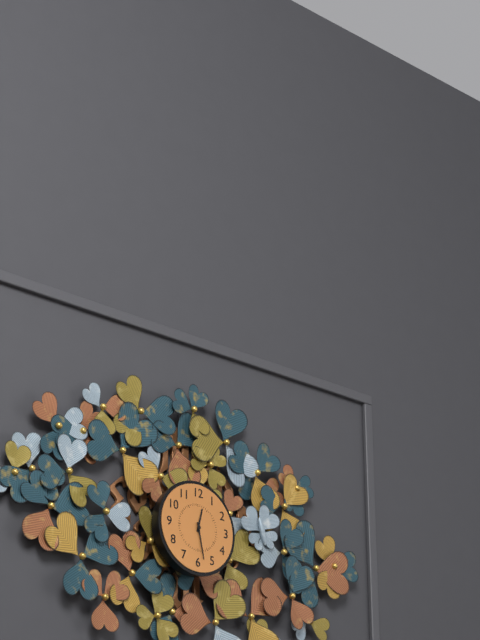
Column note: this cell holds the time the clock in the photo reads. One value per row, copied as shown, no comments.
12:28
